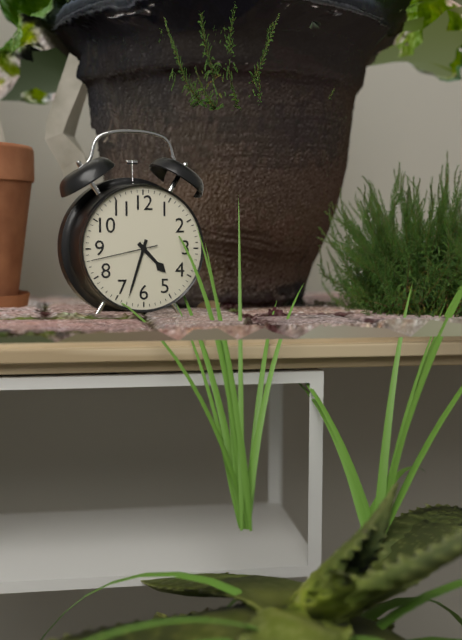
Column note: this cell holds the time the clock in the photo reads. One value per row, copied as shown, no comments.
4:33:43
